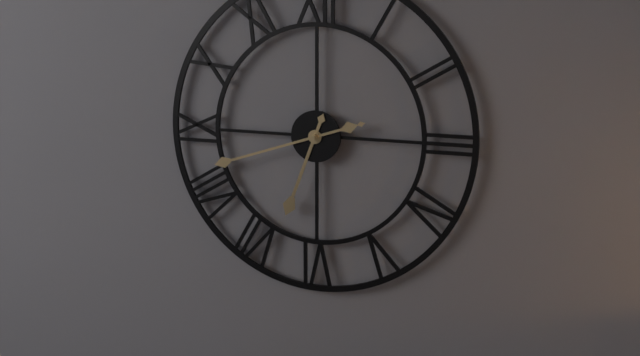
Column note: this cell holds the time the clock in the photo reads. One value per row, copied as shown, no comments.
6:42
